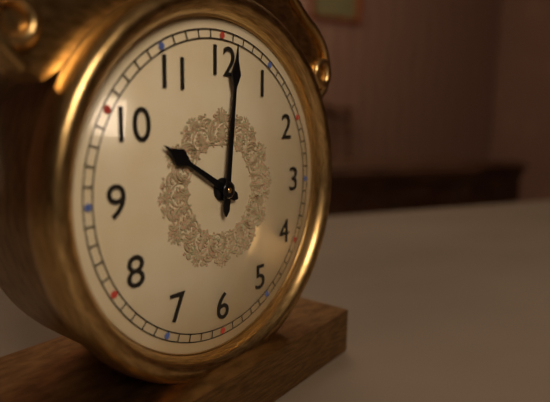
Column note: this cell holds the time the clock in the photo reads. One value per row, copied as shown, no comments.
10:01
